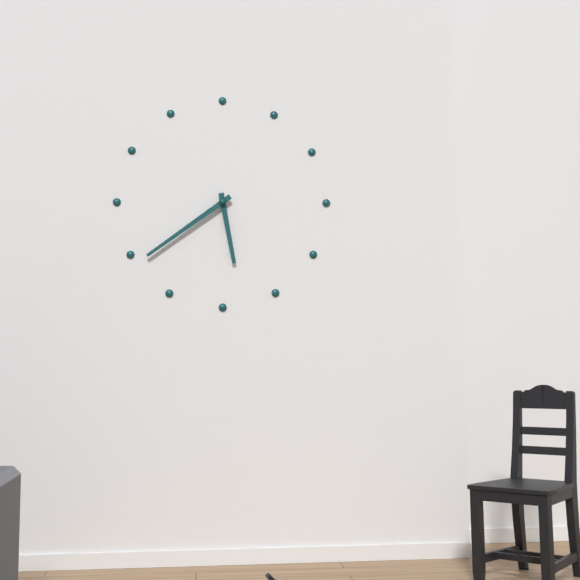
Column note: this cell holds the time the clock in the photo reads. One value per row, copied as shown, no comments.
5:39
